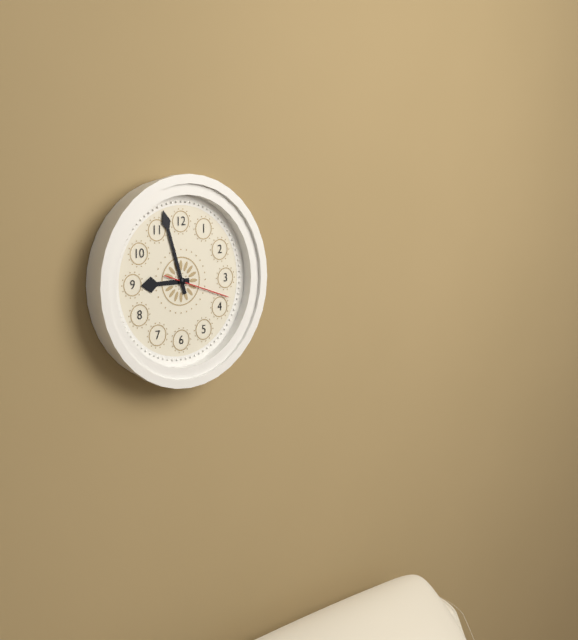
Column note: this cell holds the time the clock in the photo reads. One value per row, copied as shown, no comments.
8:57:18
